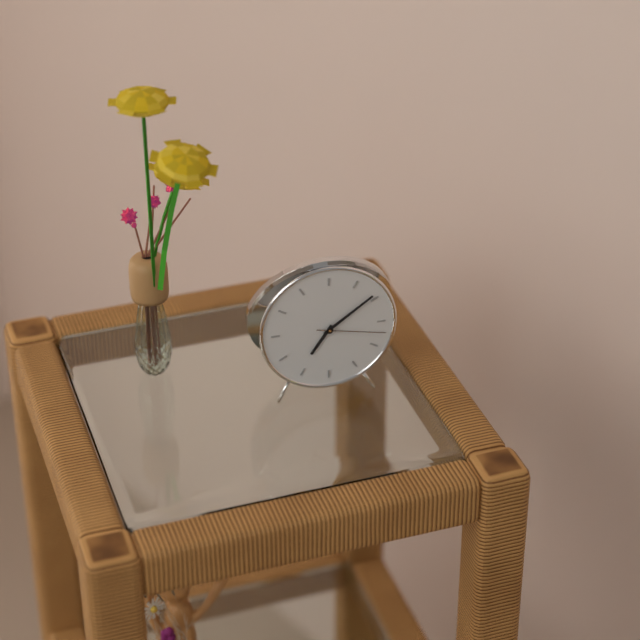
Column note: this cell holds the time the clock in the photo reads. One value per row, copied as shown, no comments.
7:09:17
